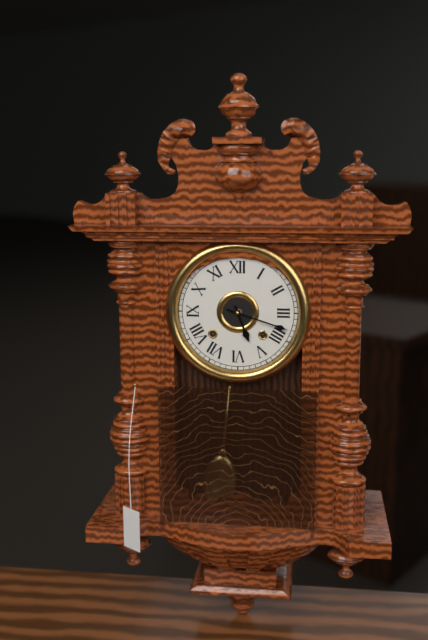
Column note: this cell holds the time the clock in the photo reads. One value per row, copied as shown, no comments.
5:18
